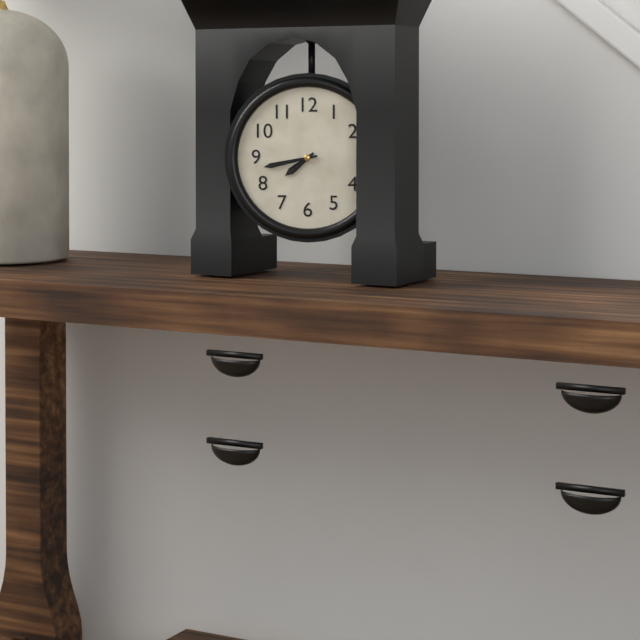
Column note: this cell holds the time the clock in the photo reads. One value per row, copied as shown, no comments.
7:43
